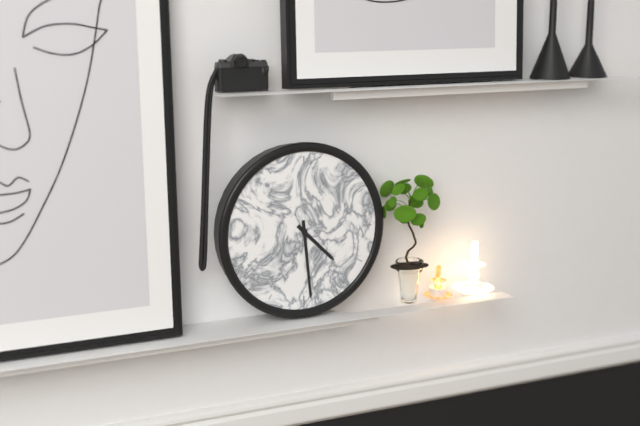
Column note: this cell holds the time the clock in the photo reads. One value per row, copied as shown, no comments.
4:29
